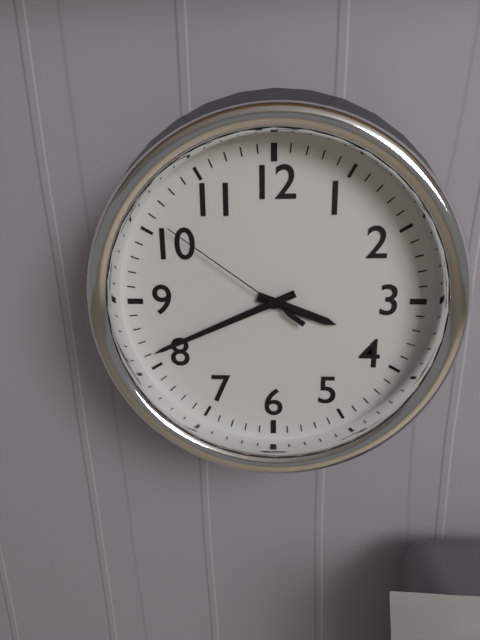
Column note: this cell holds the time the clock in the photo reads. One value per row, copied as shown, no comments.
3:41:51
